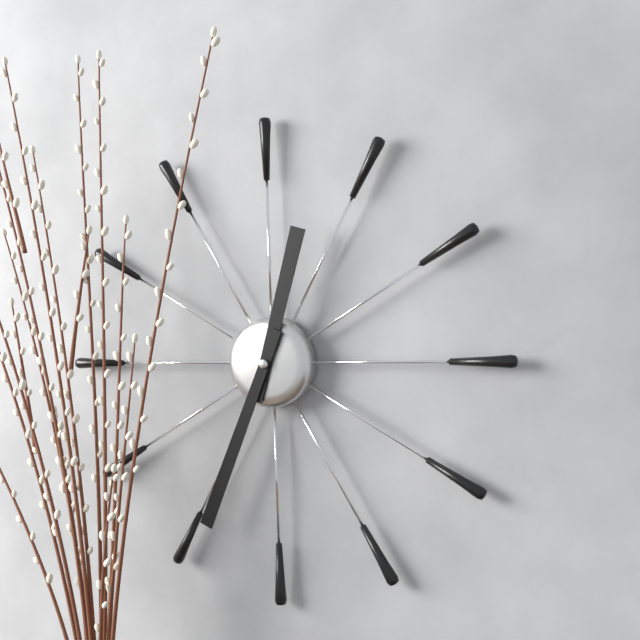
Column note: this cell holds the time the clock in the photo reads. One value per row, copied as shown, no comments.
12:34
